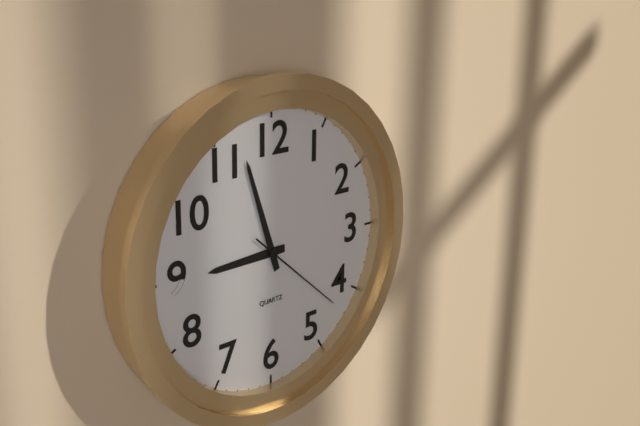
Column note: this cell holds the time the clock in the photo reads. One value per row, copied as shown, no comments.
8:57:22
